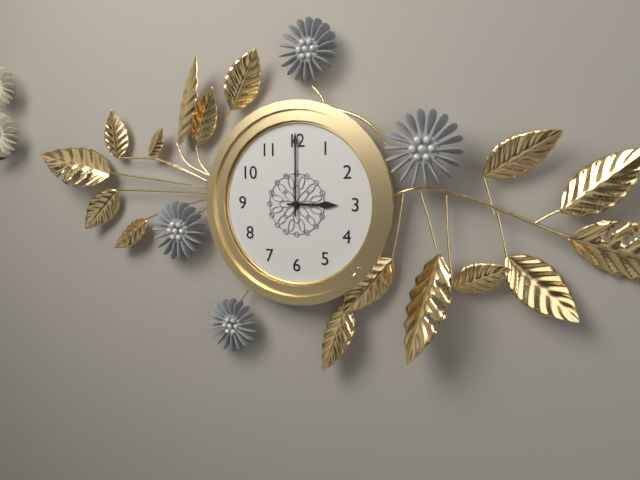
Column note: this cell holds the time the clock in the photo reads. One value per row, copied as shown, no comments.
3:00
